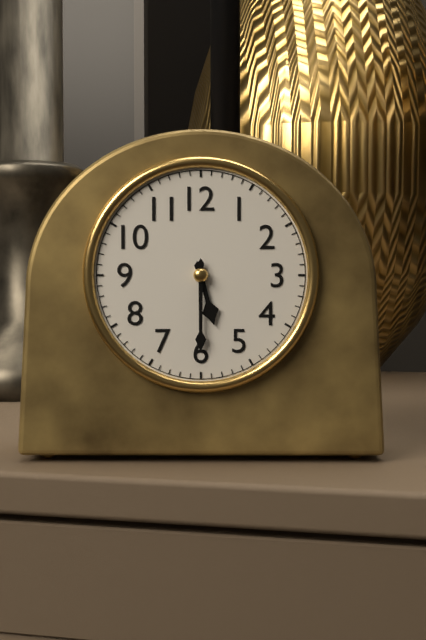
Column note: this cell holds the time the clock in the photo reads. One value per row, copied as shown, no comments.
5:30
